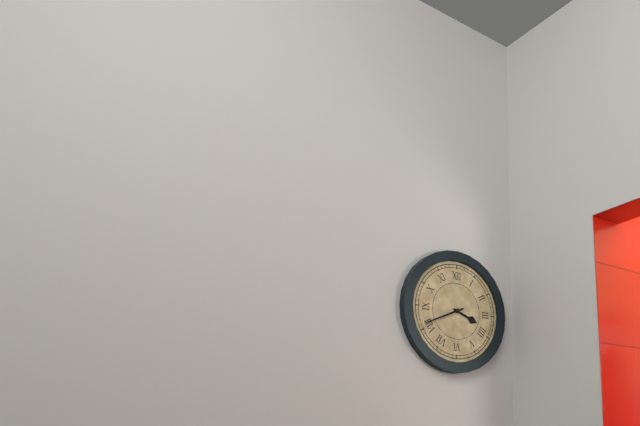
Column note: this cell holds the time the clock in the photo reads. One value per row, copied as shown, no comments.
3:41
